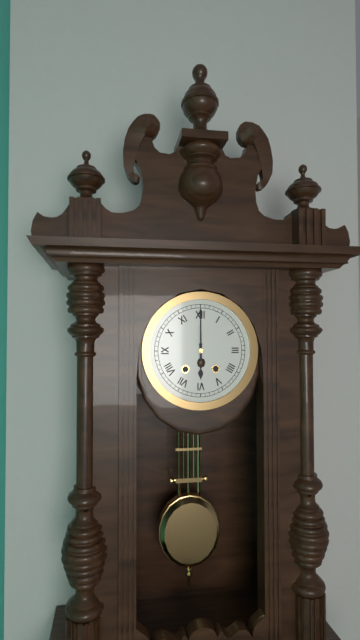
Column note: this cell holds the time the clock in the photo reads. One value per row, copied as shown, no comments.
6:00
